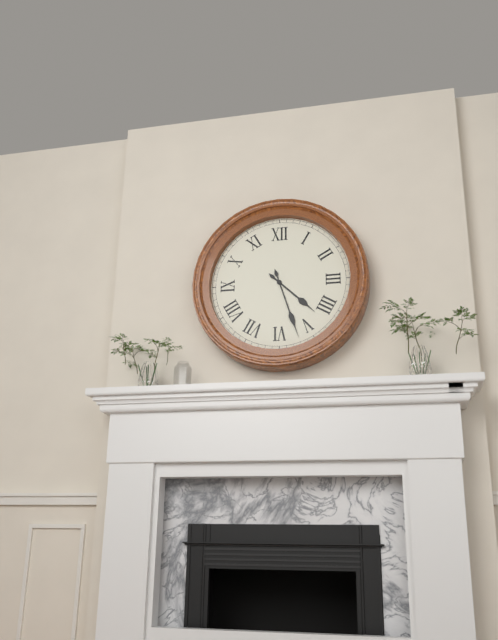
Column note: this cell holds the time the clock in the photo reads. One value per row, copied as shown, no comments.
4:27
